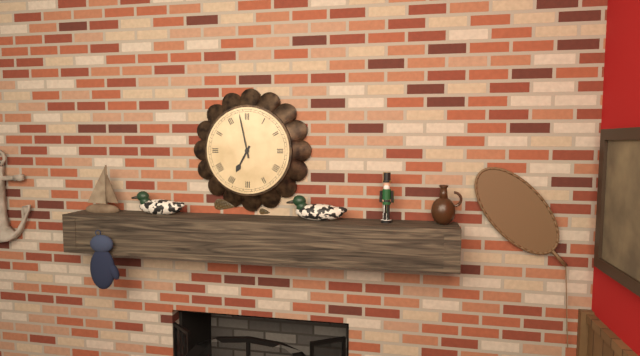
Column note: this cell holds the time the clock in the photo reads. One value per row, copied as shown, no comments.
6:58
